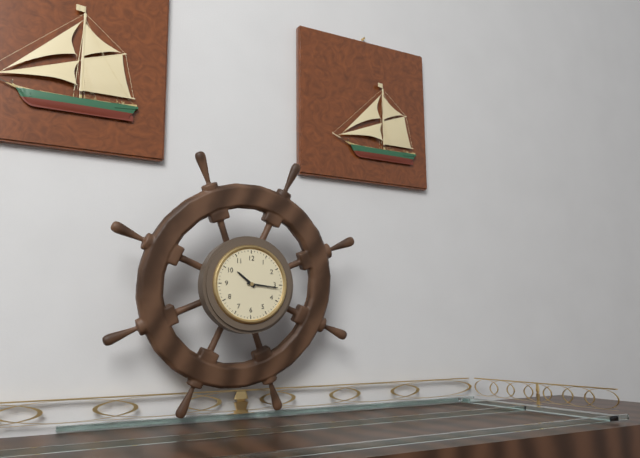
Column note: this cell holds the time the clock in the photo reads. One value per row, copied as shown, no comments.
10:16
